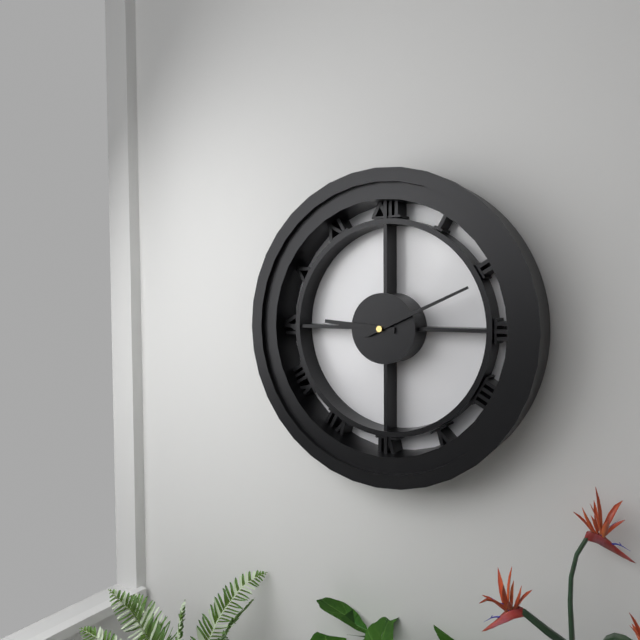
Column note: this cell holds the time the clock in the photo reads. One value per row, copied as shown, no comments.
9:11
